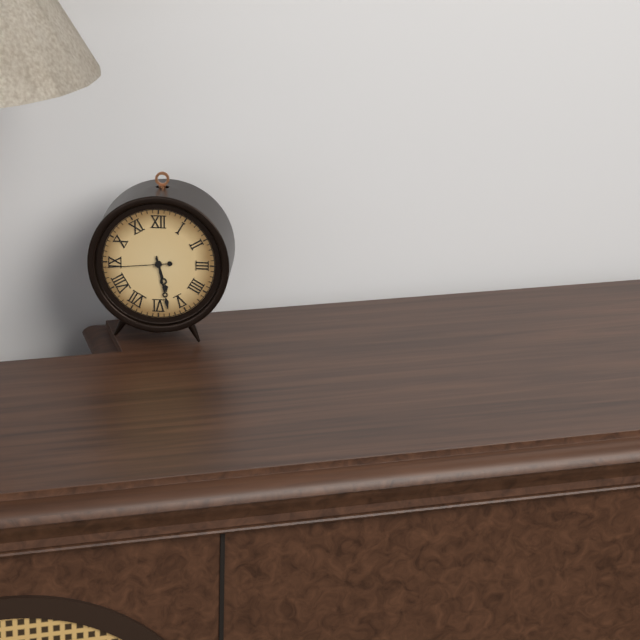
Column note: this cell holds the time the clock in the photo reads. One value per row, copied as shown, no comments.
5:28:44
